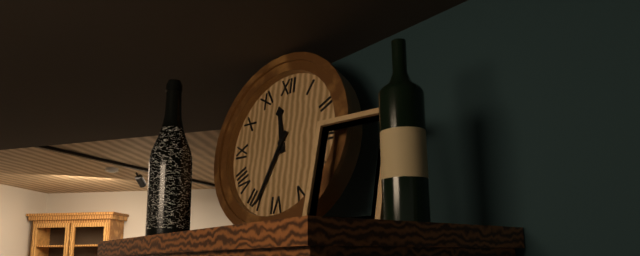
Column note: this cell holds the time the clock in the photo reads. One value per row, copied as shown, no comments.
11:34
